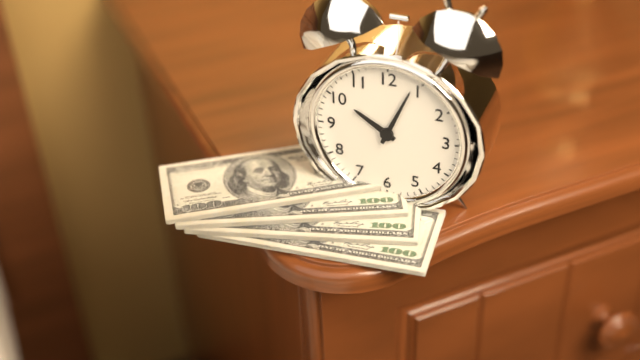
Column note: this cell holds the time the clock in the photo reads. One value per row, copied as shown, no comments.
10:04
